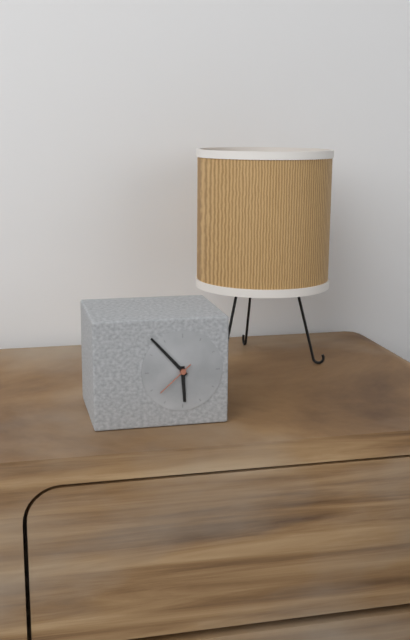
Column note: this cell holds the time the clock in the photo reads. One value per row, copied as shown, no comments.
5:53
